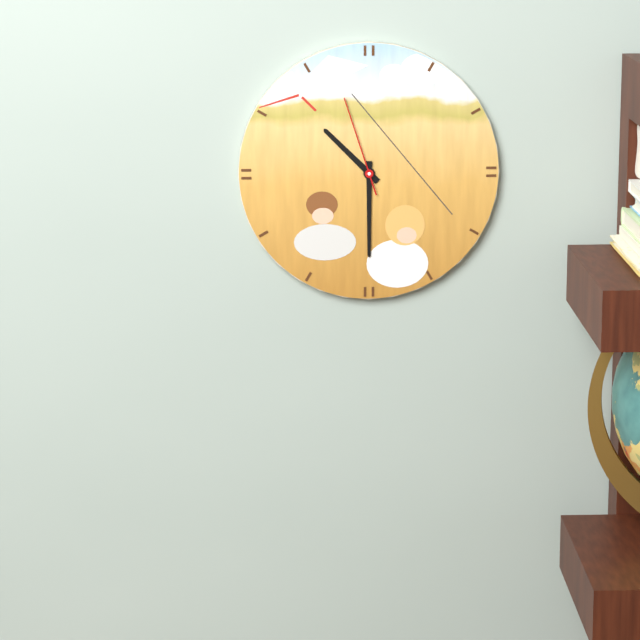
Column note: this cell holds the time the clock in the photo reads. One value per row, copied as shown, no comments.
10:30:57
